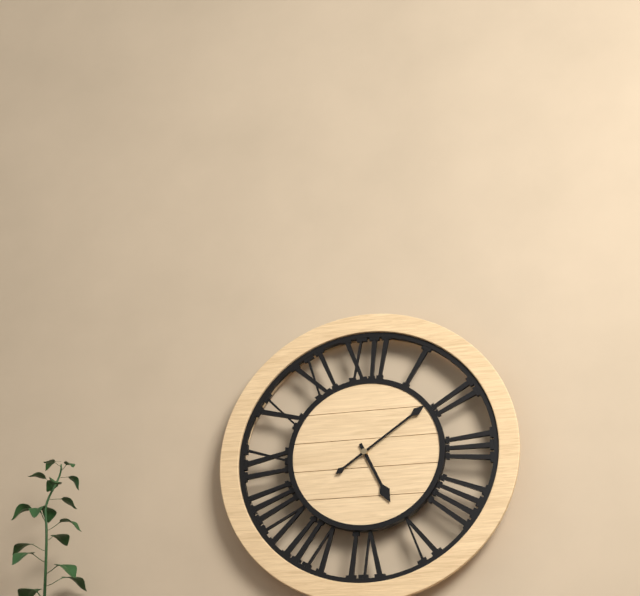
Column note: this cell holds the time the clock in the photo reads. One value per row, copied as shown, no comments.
5:09
